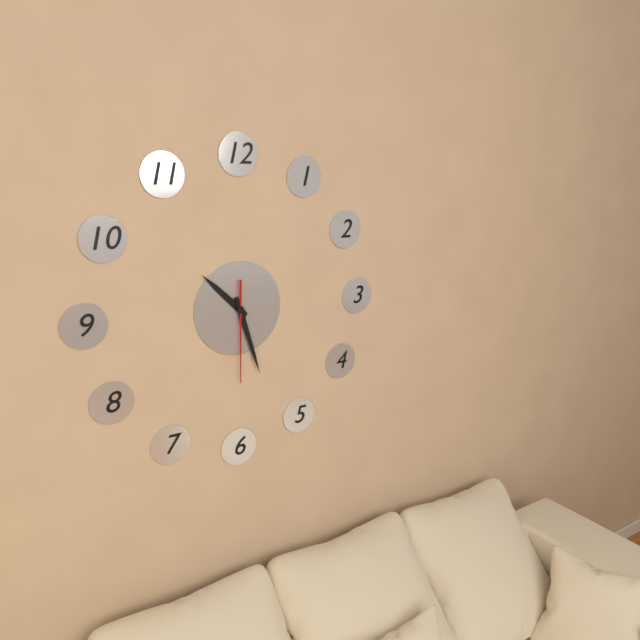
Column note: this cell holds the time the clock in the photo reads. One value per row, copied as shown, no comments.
10:27:30
